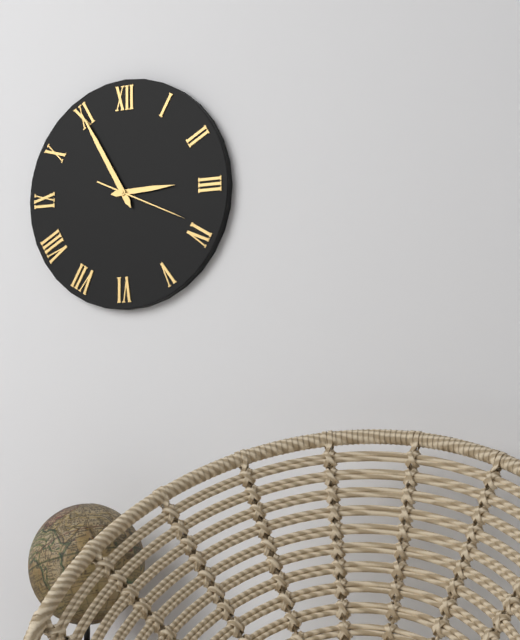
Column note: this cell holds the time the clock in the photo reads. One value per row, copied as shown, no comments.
2:55:19
